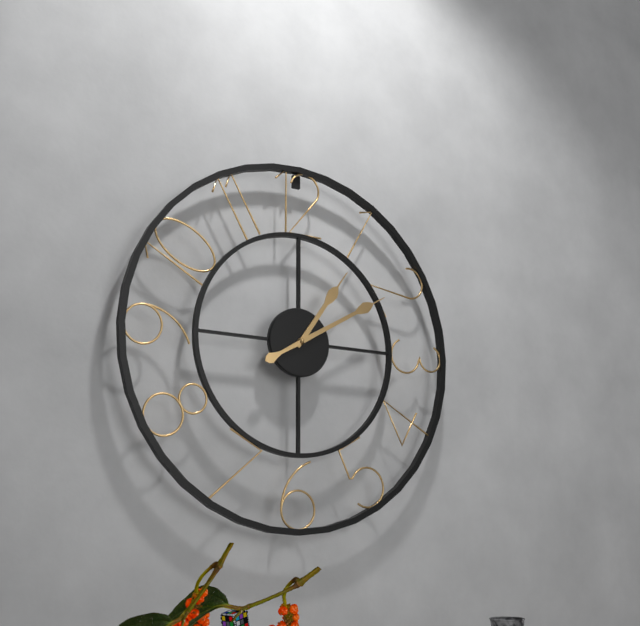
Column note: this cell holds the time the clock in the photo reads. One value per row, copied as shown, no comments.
1:10
